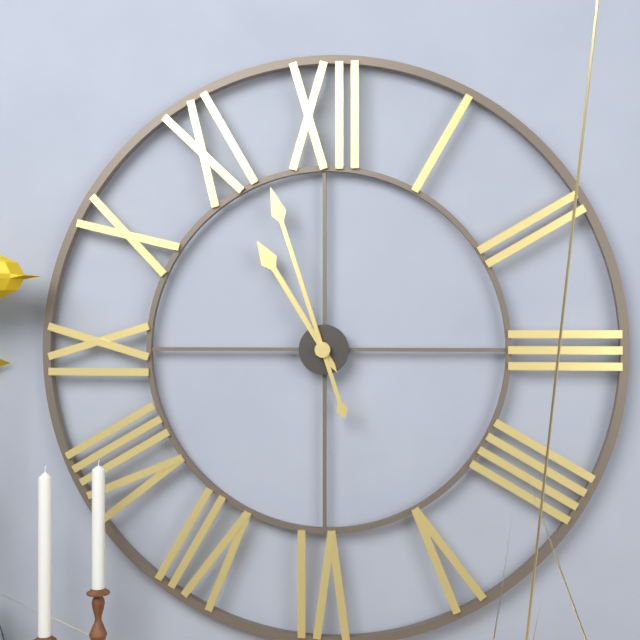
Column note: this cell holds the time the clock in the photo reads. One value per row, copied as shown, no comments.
10:57
